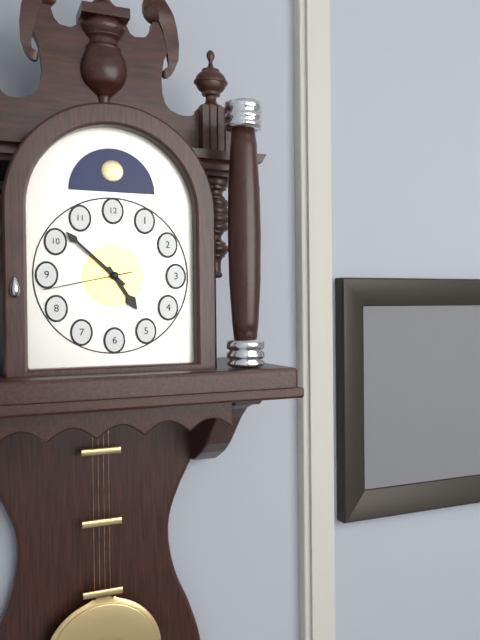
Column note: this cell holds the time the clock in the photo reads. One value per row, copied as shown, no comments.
4:52:43
